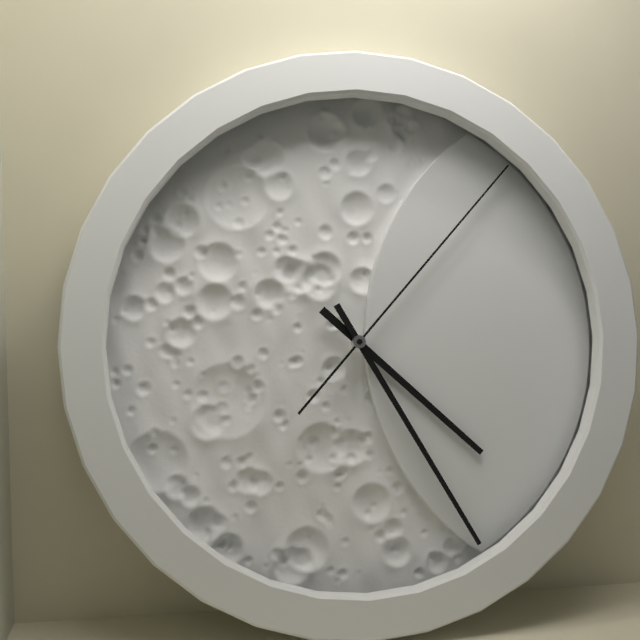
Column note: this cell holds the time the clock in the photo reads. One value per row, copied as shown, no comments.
4:25:07
